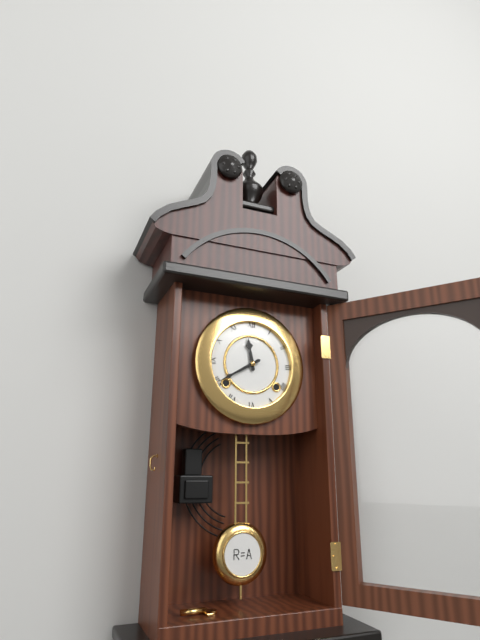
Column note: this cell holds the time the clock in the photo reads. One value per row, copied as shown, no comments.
11:40
